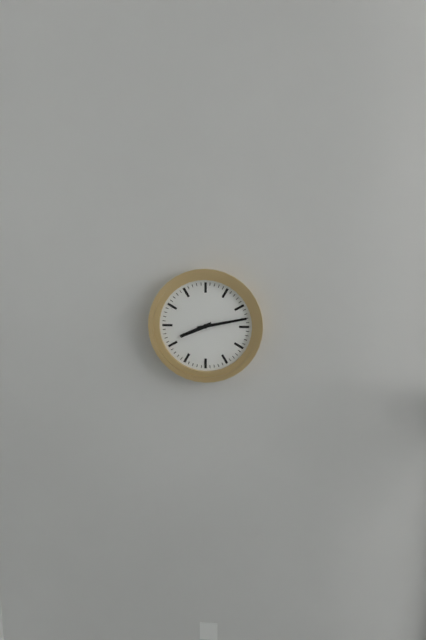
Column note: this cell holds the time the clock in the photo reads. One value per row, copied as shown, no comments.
8:13
